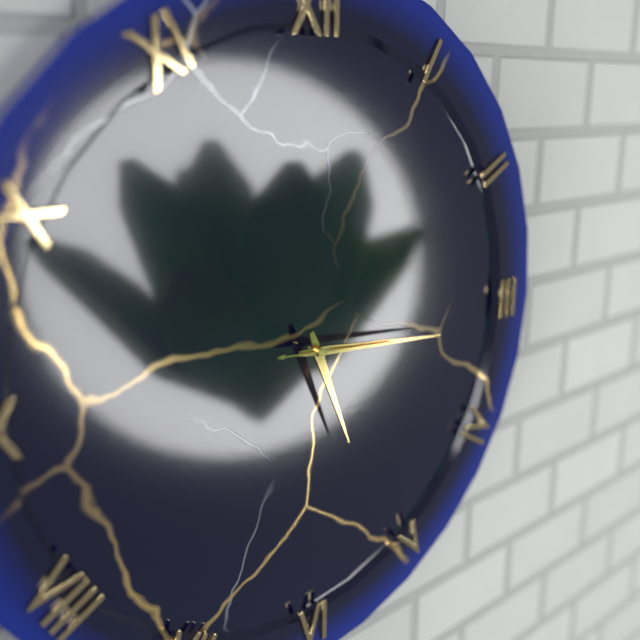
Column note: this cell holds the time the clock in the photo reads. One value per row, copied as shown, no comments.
5:16:16
